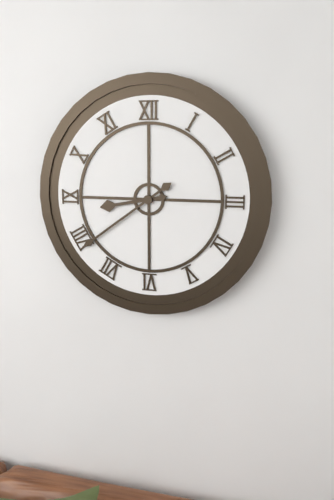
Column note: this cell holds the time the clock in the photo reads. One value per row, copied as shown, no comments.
8:39
